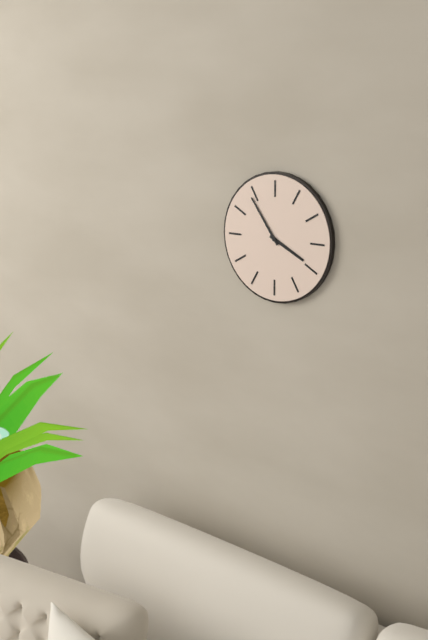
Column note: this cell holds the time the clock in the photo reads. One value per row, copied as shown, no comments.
3:54
